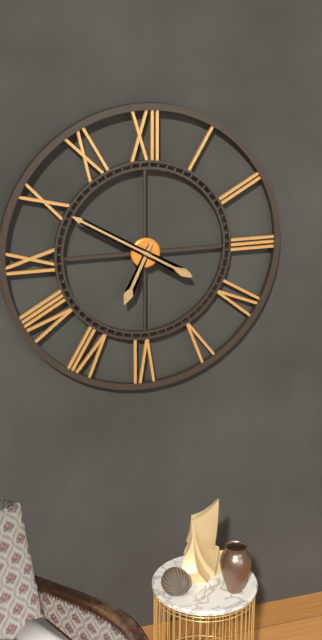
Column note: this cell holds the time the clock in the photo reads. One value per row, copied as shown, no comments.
6:50
